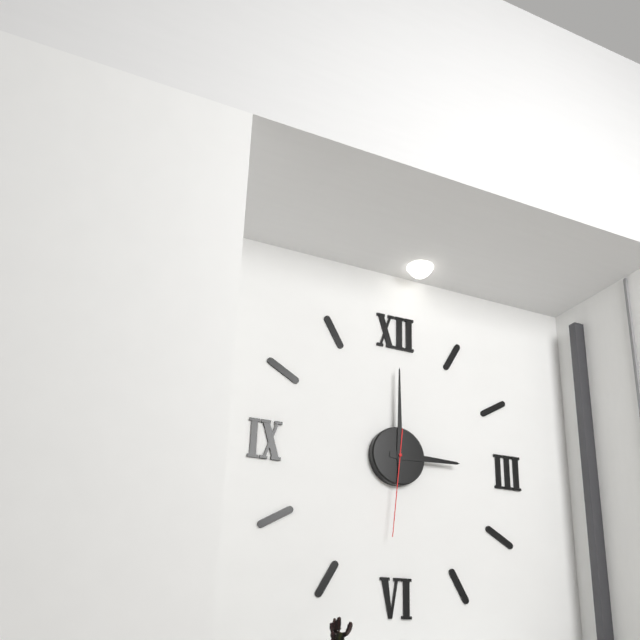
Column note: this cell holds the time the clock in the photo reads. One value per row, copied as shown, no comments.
3:00:31
